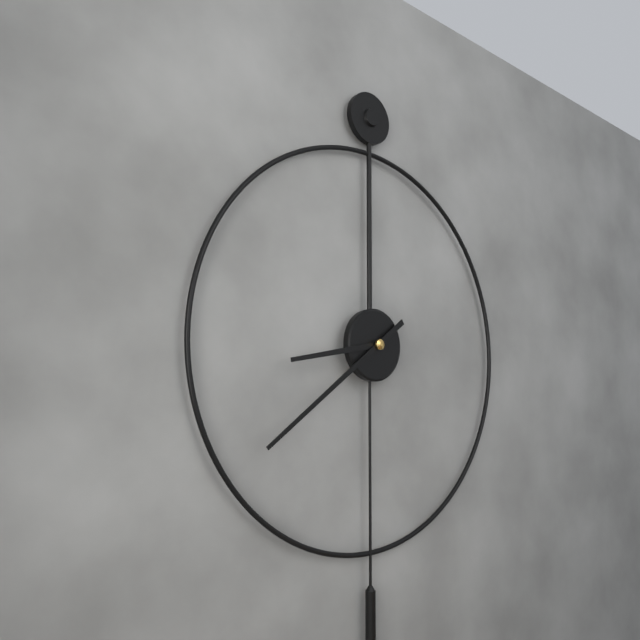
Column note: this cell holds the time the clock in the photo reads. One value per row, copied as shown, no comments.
8:39
